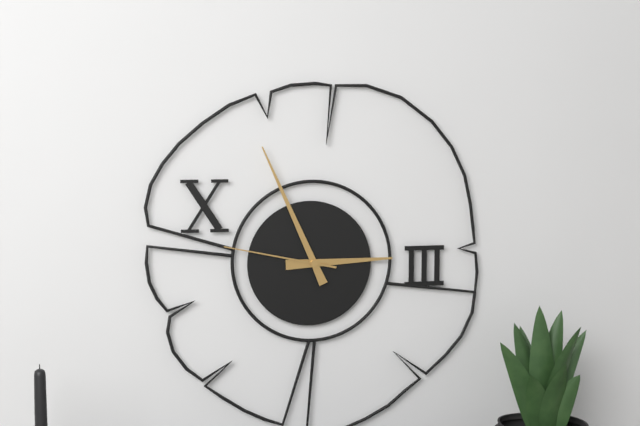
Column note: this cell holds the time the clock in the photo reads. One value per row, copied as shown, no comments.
2:56:47
